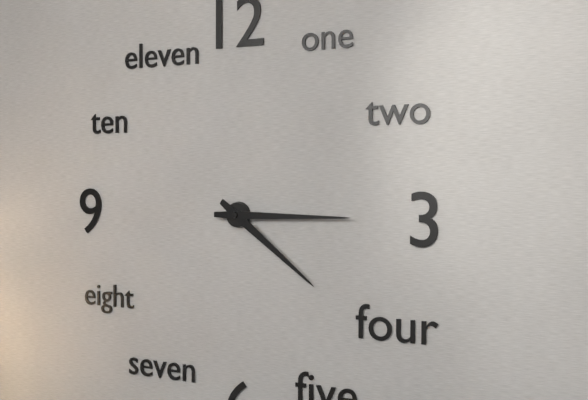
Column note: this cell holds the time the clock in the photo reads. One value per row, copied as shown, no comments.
4:15
